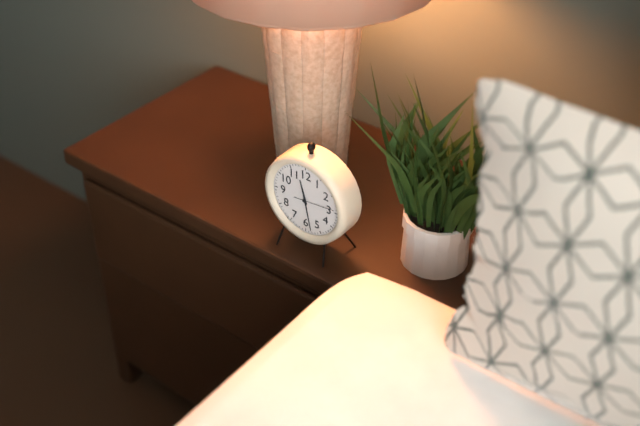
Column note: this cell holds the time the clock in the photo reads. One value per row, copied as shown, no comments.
11:28
